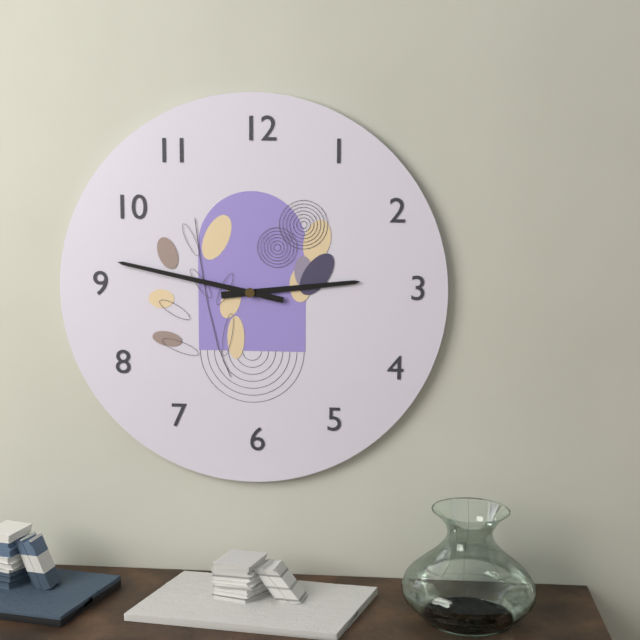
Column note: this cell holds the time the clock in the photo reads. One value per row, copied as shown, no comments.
2:47
